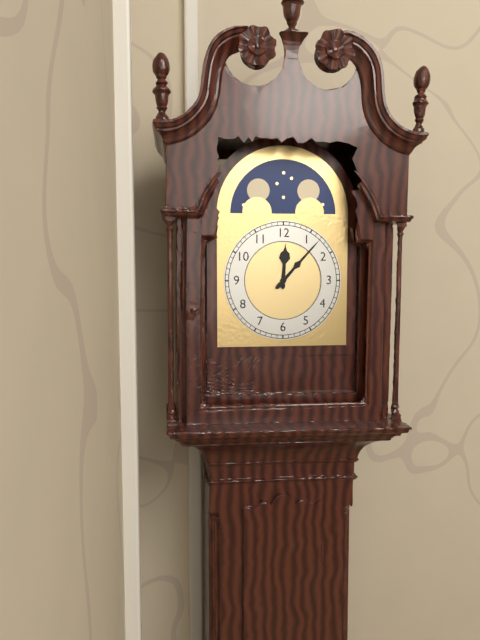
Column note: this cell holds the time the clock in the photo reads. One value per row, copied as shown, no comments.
12:07
